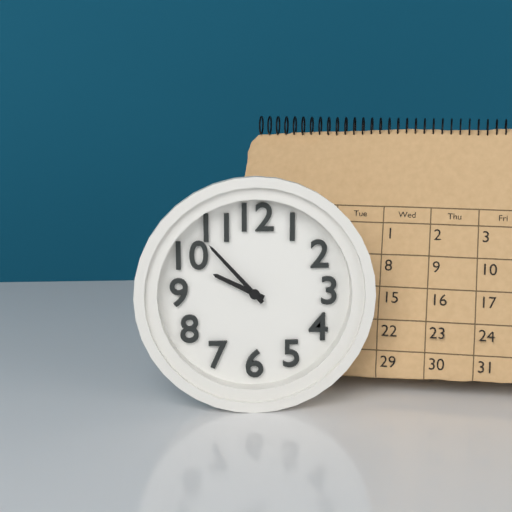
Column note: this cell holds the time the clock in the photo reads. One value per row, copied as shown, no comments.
9:53
